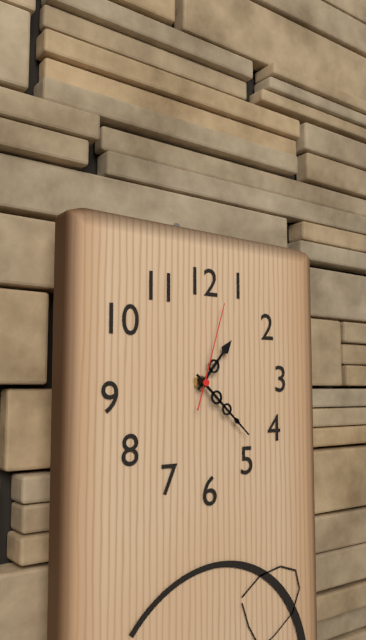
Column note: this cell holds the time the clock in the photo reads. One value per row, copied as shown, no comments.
1:22:03
